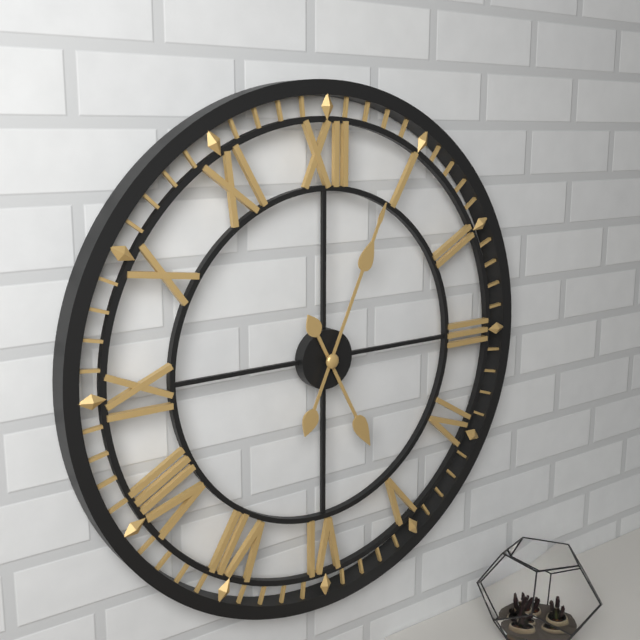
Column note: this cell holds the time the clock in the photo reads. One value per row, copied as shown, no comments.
5:04
